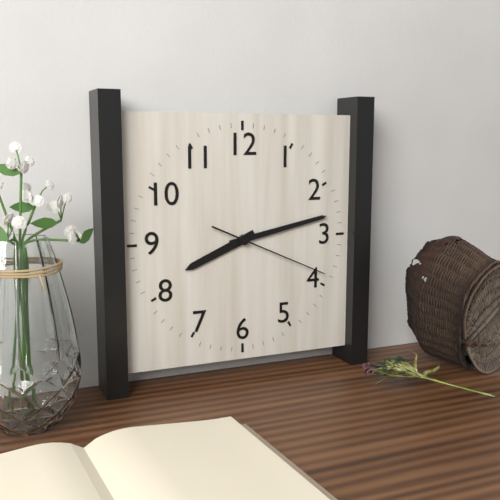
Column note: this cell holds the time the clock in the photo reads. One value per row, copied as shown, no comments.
8:13:19
